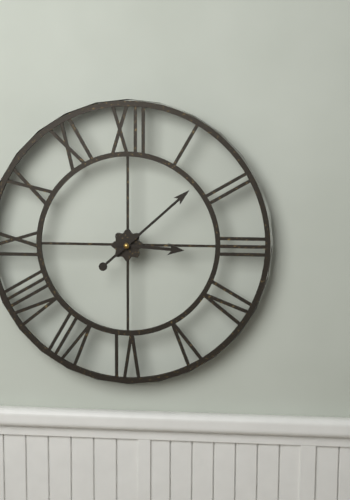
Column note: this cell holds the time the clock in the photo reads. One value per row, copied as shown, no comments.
3:08
